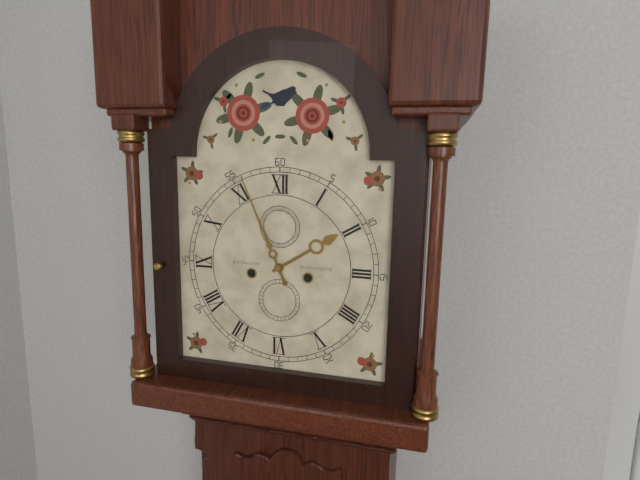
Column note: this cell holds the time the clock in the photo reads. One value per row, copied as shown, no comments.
1:56
